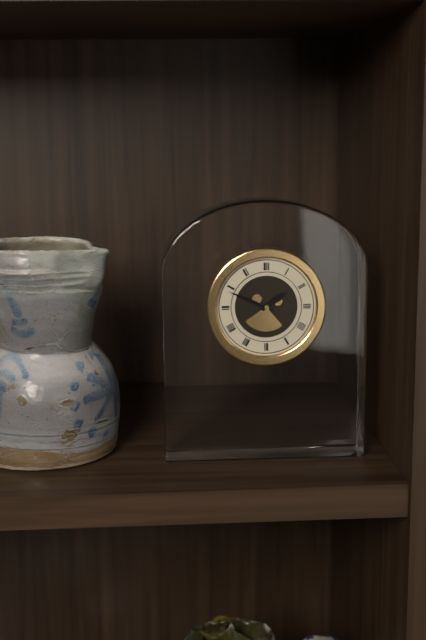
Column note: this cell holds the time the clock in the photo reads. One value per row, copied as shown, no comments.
1:49
